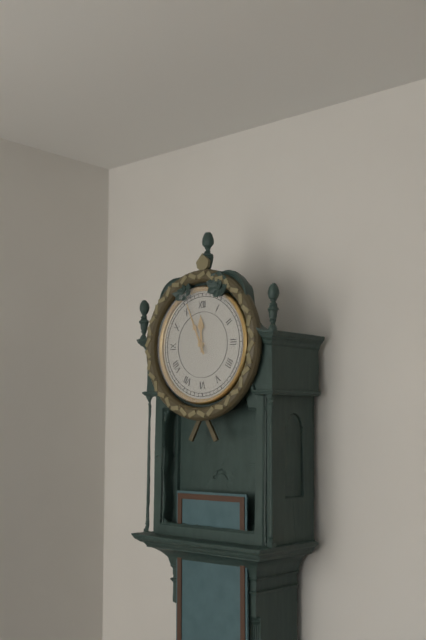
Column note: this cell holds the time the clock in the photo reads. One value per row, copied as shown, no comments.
11:56
